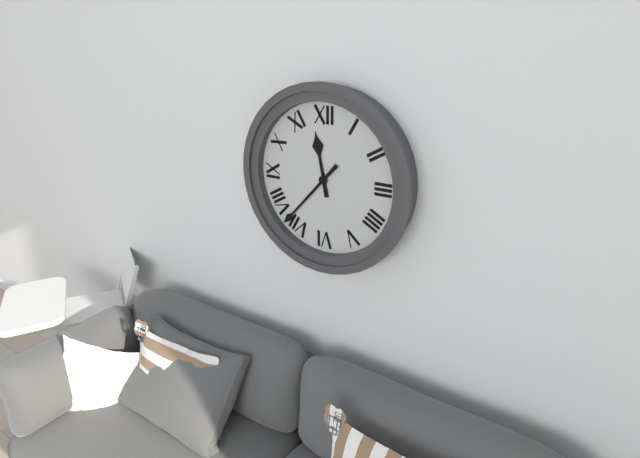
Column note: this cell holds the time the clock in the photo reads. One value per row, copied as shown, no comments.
11:37
